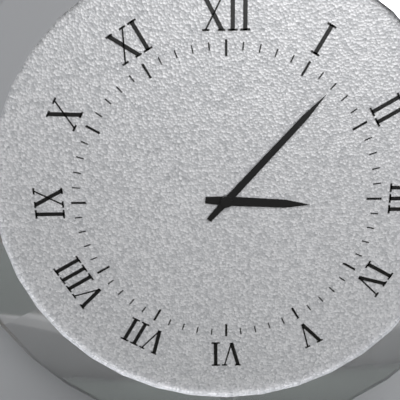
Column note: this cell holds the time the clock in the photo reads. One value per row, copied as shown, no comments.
3:07
